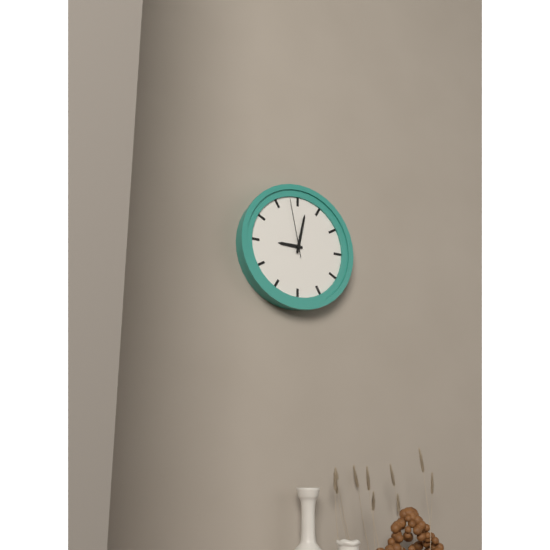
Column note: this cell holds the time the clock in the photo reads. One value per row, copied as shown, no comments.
9:02:58
